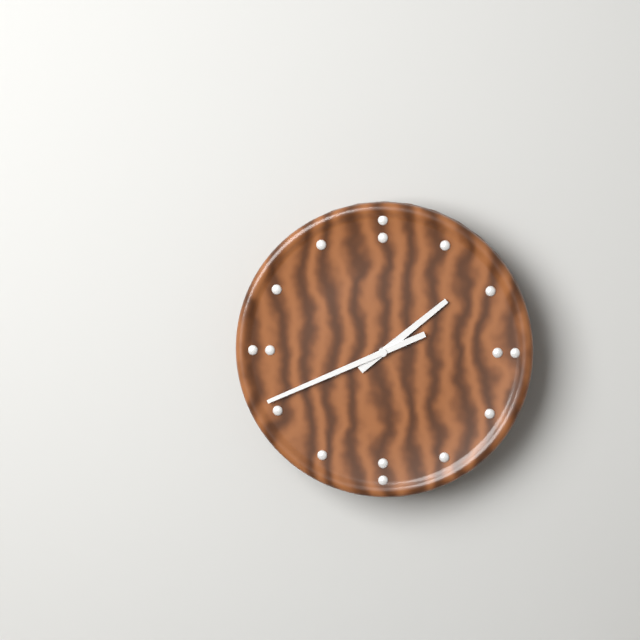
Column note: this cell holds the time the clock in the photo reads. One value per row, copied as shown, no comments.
1:41
